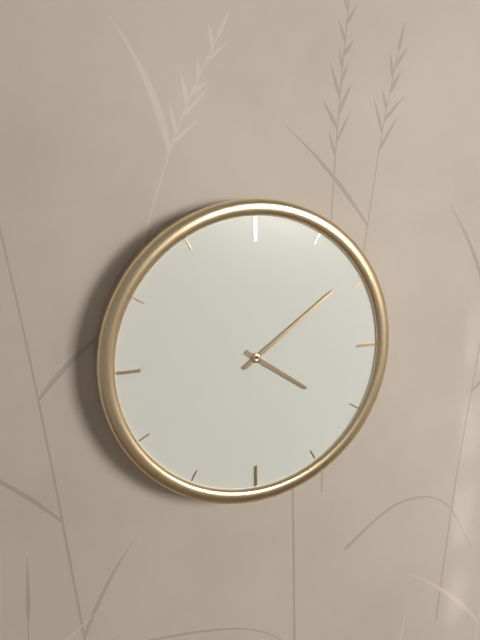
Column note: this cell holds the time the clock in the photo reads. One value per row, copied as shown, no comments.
4:09
